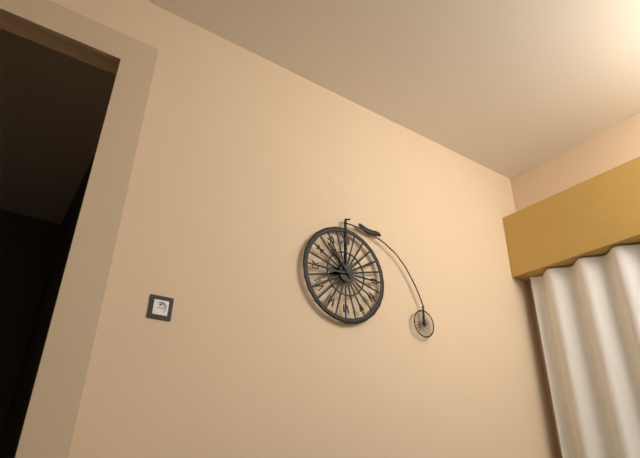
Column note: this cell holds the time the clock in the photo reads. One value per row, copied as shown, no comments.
8:53
